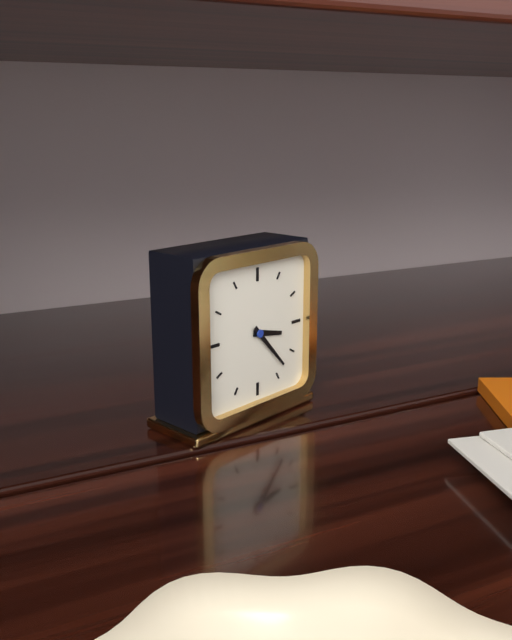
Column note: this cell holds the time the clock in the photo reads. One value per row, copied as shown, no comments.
3:23
